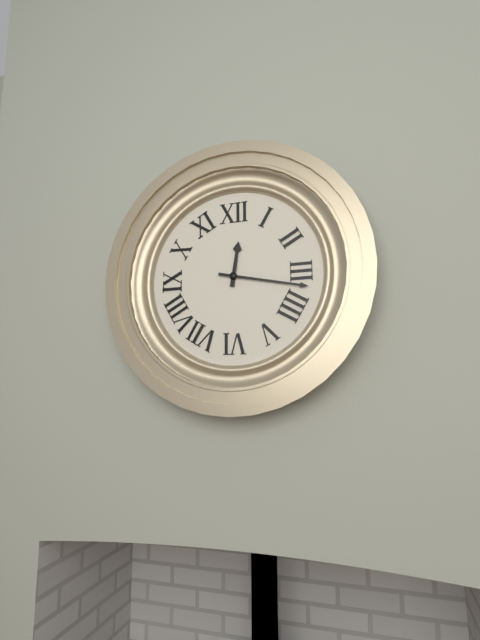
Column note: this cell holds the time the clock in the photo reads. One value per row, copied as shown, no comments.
12:17
